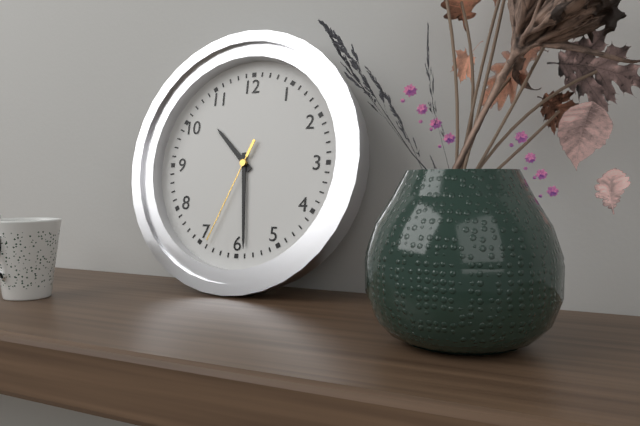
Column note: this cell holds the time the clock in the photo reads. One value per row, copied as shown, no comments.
10:29:34
